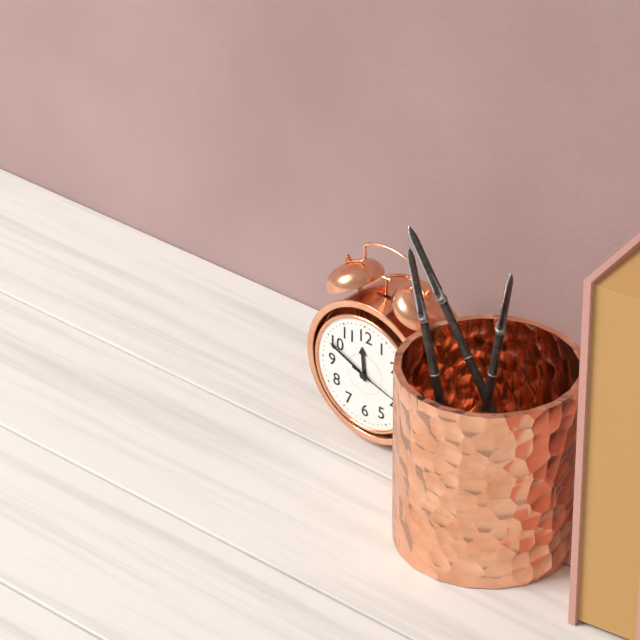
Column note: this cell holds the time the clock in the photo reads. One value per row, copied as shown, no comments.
11:49:18
